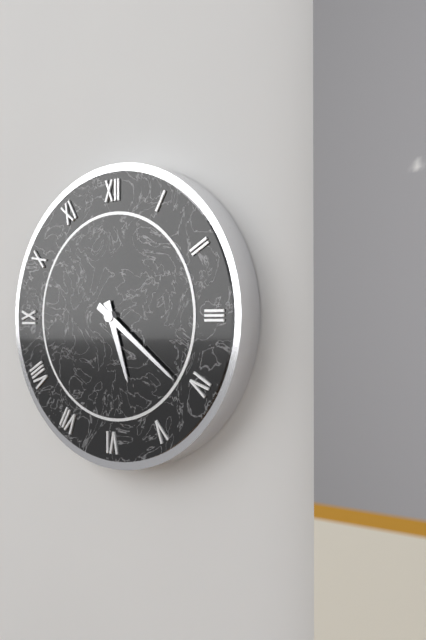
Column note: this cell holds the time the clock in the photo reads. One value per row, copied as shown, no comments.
5:21
